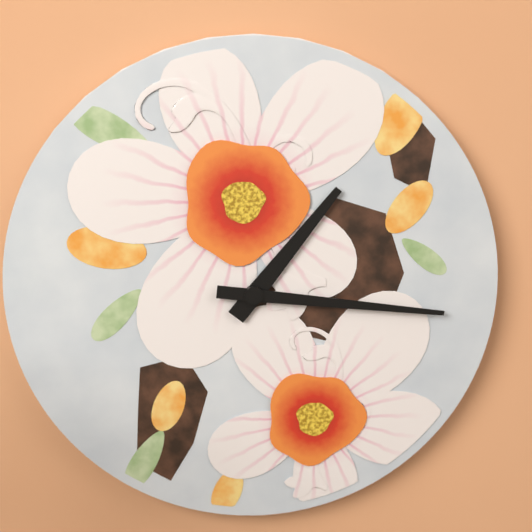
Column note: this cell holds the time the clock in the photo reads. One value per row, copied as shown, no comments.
1:16
